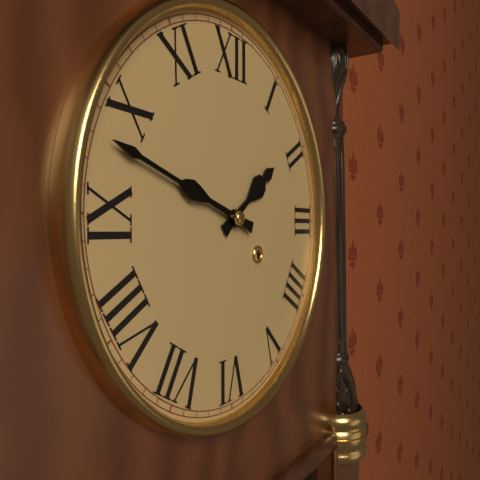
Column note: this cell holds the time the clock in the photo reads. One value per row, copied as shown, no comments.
1:48
